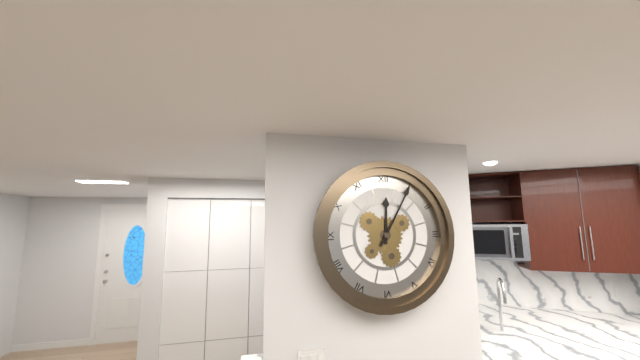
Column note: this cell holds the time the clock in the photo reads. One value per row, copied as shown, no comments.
12:05
